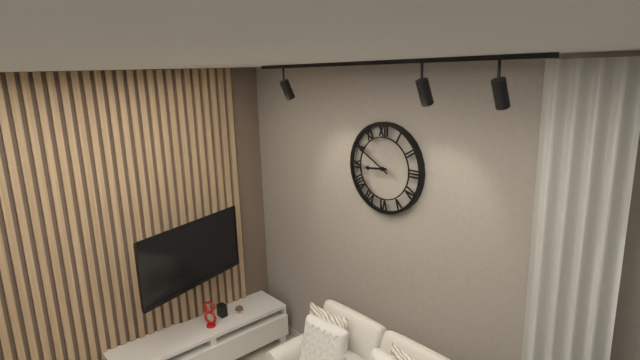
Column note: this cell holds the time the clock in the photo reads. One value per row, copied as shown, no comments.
8:50
